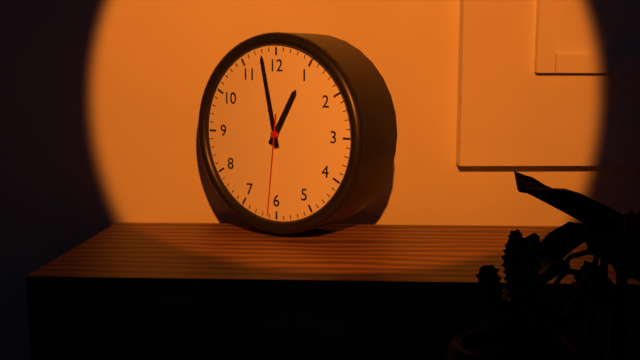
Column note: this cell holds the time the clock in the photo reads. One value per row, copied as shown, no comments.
12:58:31
